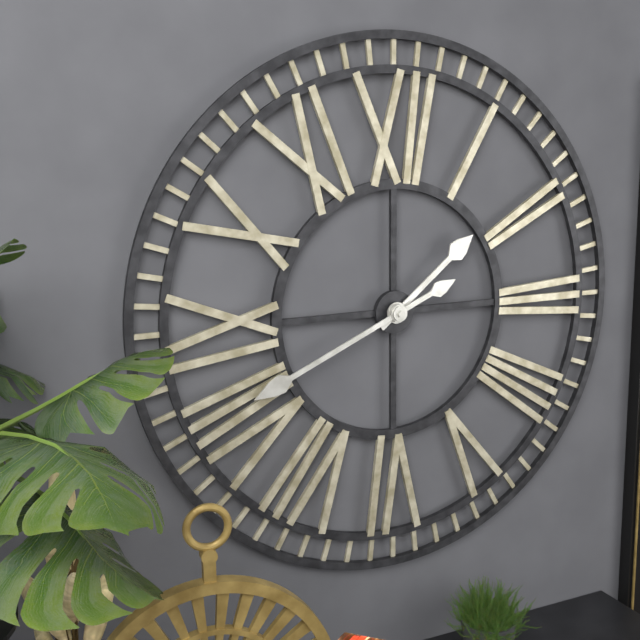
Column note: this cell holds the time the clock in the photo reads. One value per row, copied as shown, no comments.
1:41
